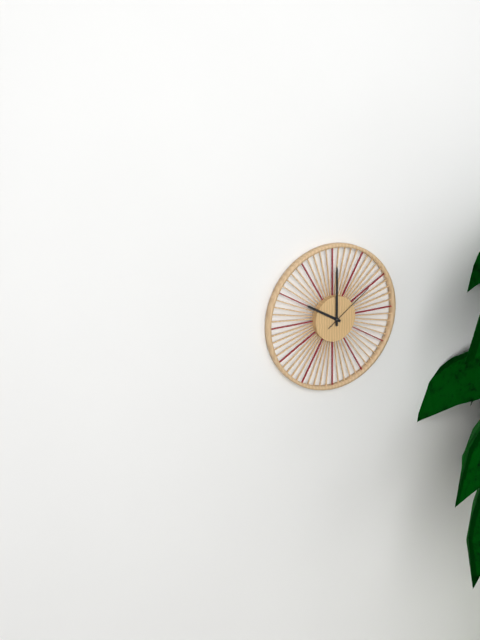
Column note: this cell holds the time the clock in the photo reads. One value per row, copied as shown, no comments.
10:00:09
